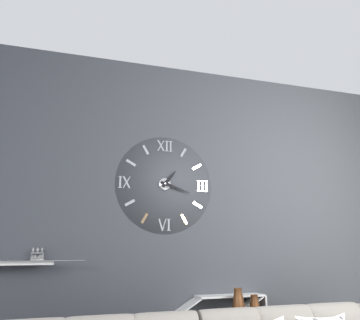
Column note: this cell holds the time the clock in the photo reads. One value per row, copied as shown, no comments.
1:18
